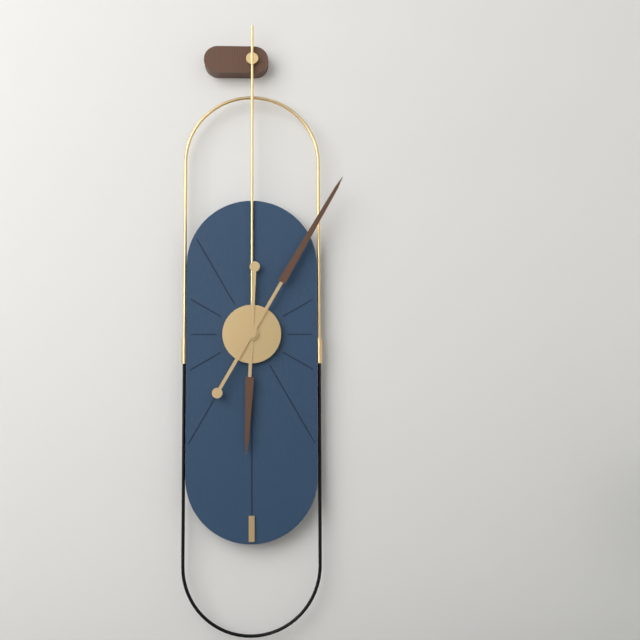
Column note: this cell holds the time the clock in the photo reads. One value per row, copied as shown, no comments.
6:05
